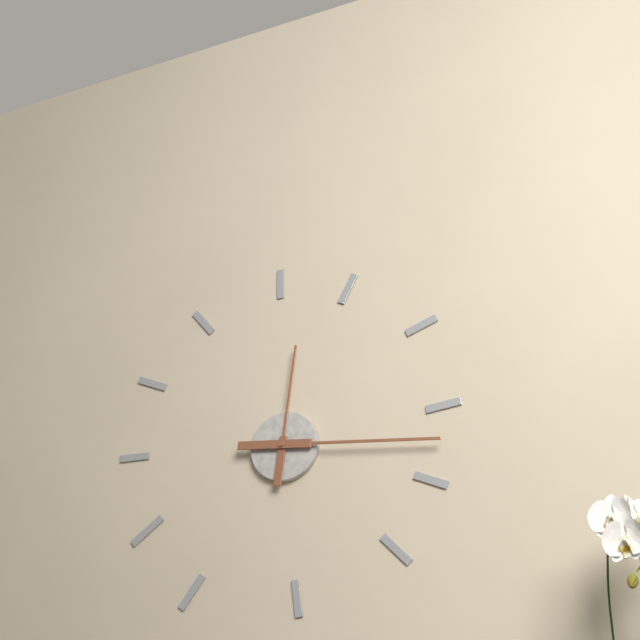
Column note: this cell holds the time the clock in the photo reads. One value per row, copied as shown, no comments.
12:16
